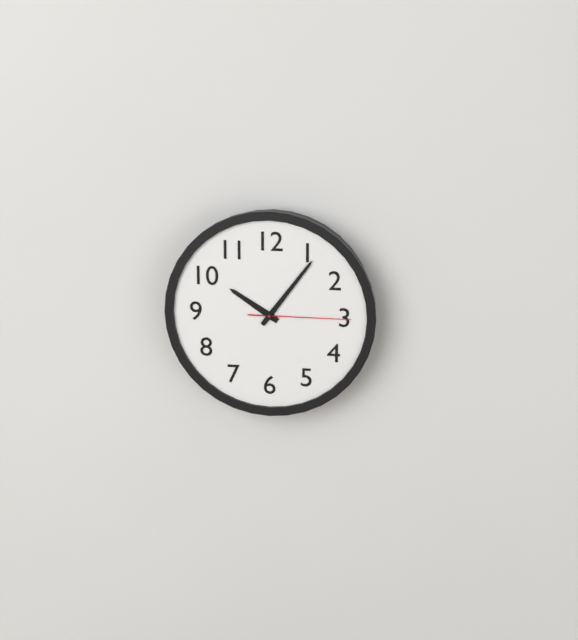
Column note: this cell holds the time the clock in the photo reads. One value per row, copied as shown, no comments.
10:06:15
